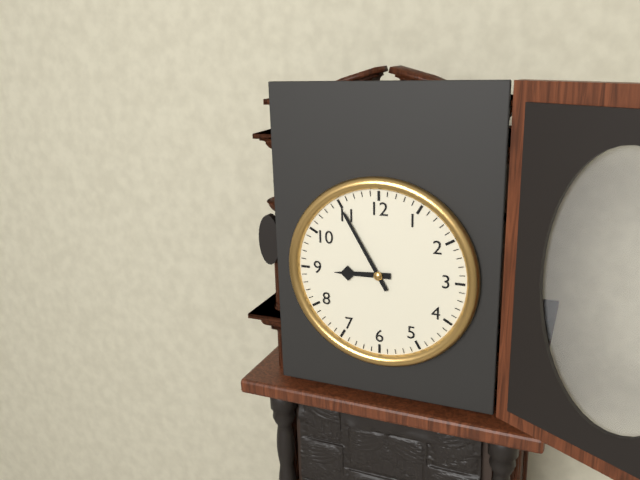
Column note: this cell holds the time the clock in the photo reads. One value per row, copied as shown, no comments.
8:55
